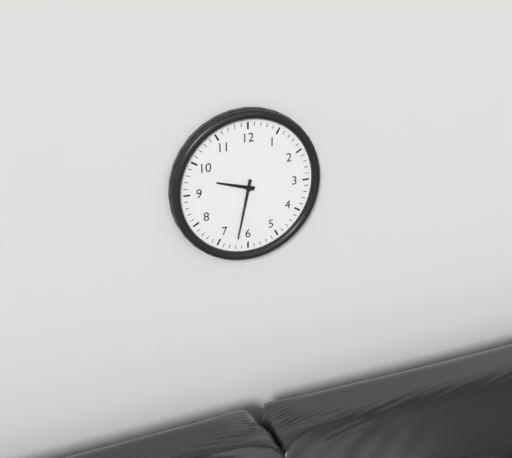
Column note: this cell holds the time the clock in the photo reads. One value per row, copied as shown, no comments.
9:32
